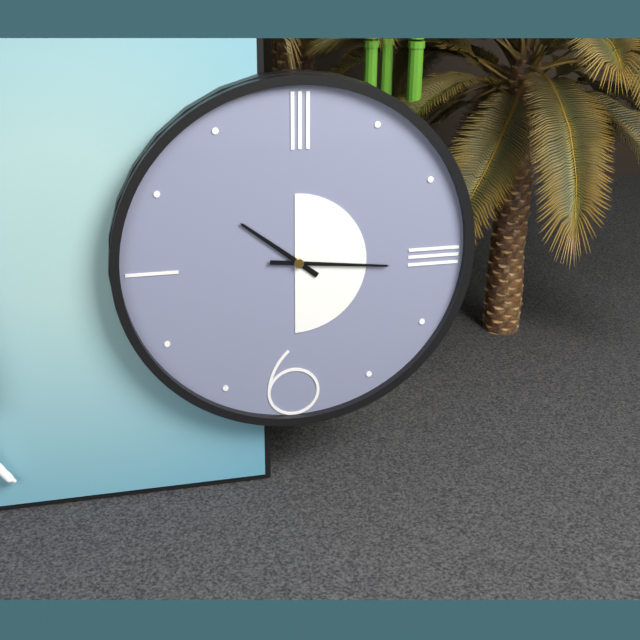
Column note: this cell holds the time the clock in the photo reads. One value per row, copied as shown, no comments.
10:16
